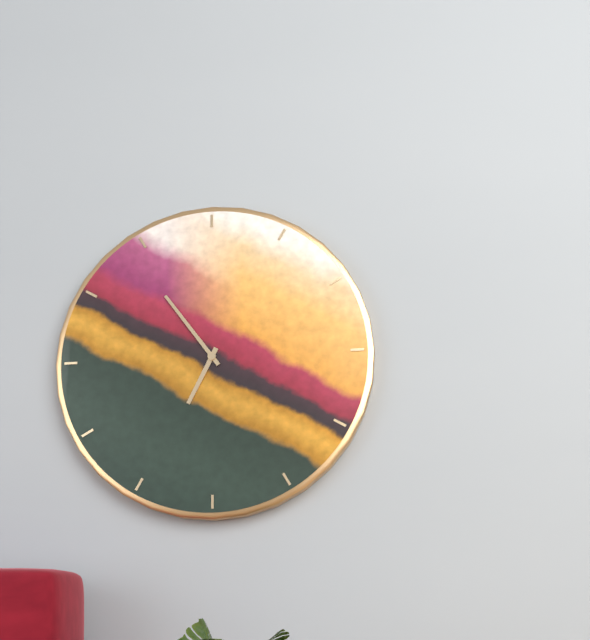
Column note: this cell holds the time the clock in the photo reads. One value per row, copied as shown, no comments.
6:54
